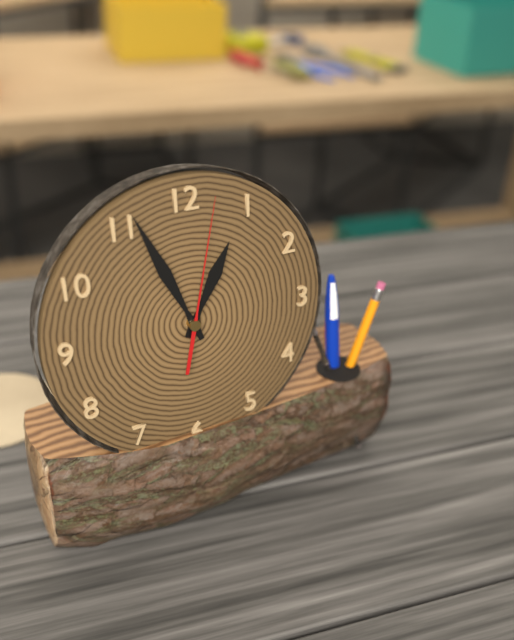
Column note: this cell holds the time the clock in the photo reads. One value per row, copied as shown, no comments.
12:56:02
